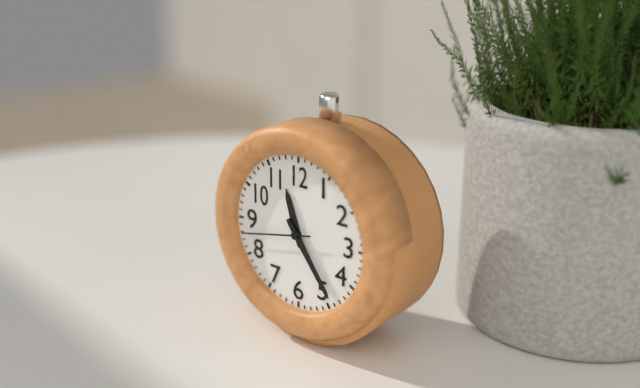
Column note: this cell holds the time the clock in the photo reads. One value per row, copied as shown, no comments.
11:24:43
